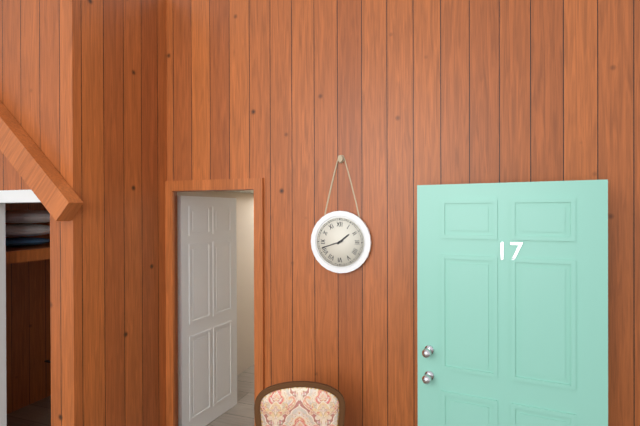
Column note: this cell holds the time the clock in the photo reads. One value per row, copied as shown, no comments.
1:42
